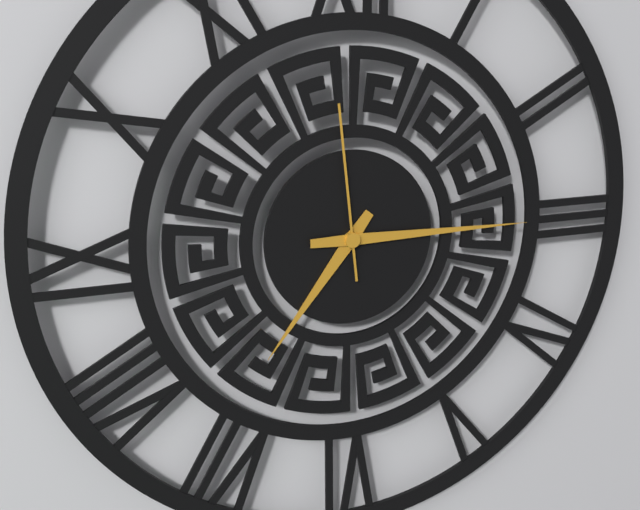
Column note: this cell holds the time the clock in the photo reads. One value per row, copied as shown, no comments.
7:15:59
